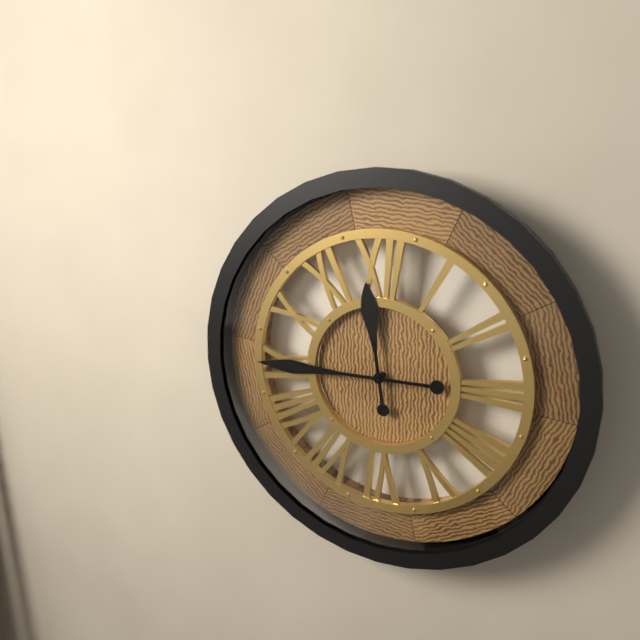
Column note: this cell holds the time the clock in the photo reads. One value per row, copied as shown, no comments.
11:45
